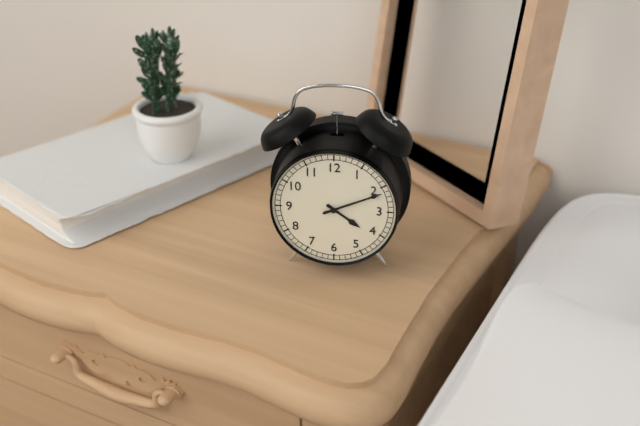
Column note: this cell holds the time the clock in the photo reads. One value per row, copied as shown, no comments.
4:11
